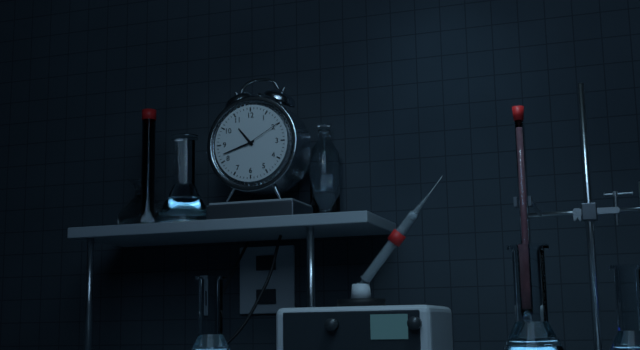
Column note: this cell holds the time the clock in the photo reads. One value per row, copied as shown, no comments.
10:42
